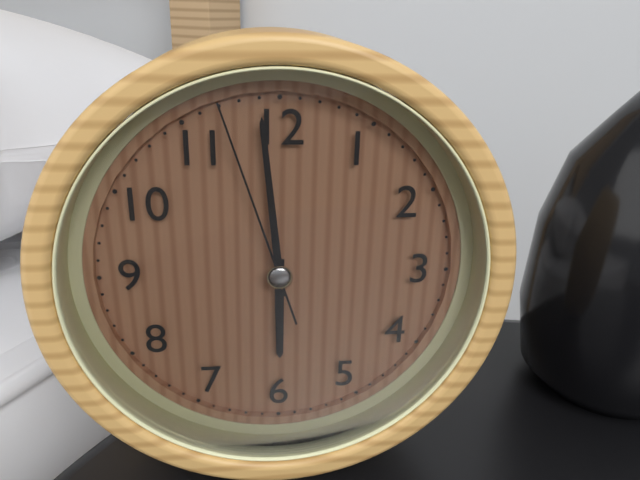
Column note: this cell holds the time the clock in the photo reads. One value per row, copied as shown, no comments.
5:59:57
